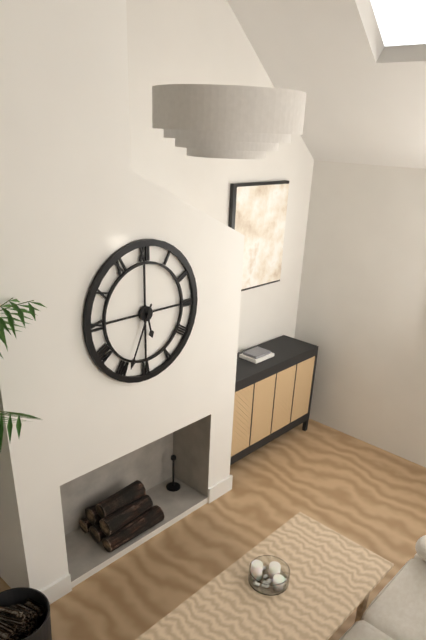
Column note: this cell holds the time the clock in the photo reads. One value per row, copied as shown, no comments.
5:34
